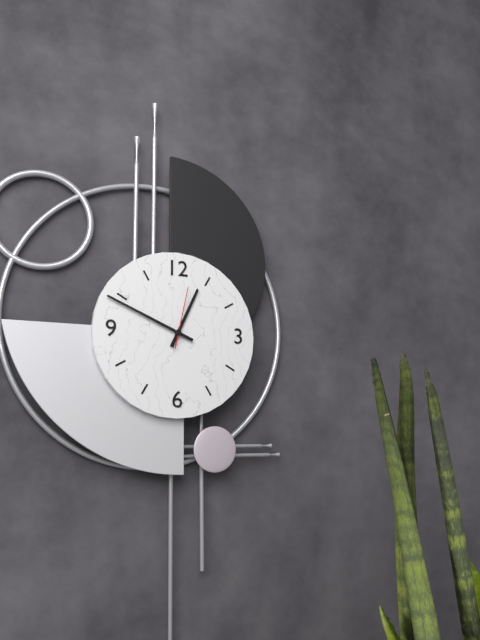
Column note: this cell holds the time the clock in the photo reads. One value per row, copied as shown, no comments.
12:49:02
